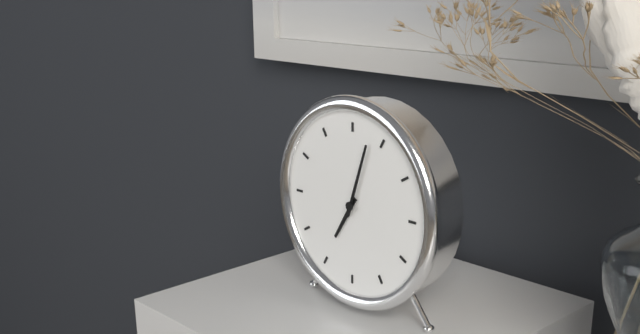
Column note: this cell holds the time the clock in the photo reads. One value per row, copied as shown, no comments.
7:03
